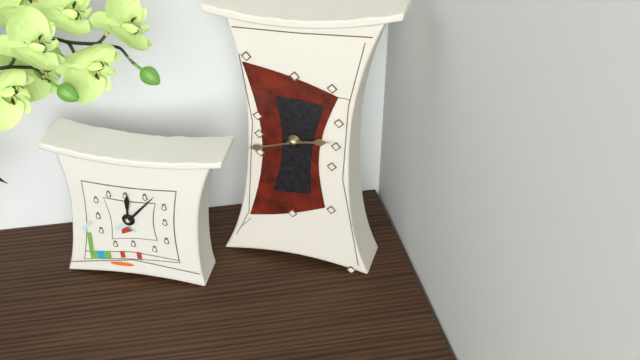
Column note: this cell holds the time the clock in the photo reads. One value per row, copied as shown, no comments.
2:42
